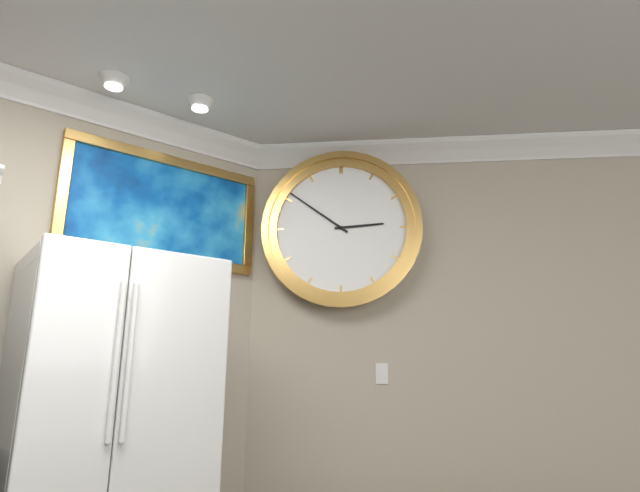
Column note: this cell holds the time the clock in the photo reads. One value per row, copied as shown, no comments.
2:51
